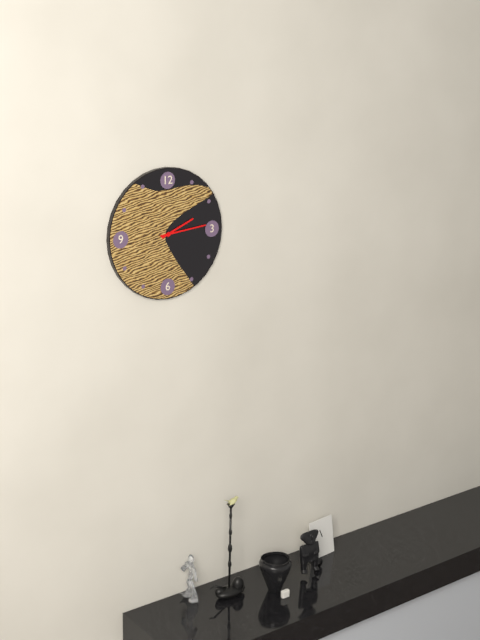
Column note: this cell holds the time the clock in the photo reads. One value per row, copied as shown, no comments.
2:14
